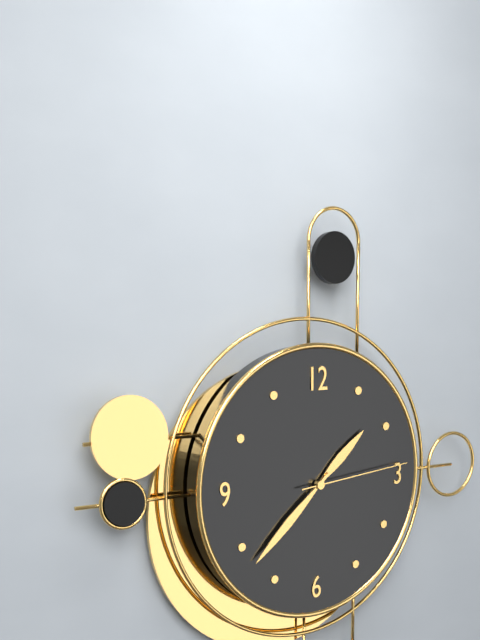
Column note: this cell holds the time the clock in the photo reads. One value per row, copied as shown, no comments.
1:38:14
